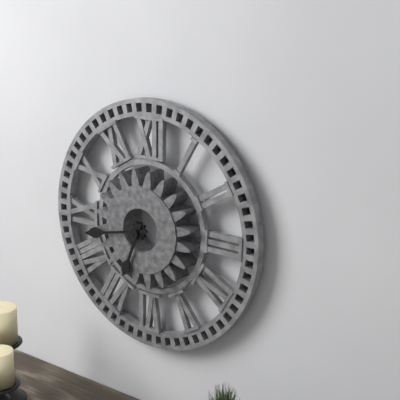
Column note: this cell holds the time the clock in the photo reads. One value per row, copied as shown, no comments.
6:43
